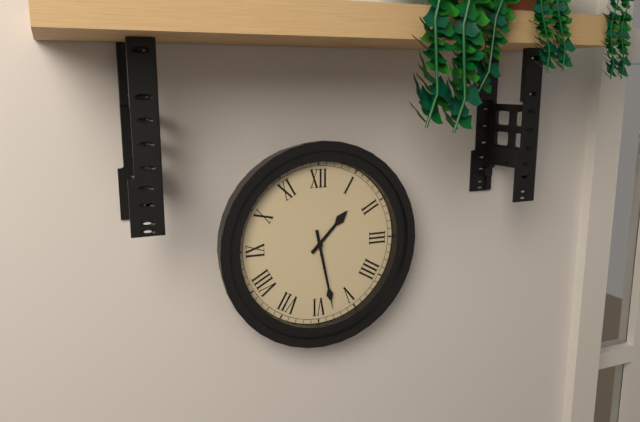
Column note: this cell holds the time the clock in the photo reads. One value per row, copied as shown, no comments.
1:28
